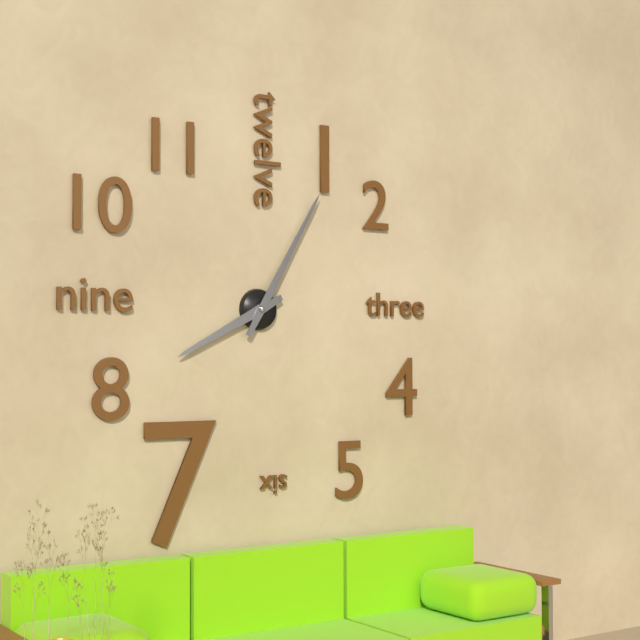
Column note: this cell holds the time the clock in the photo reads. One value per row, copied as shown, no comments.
8:05
